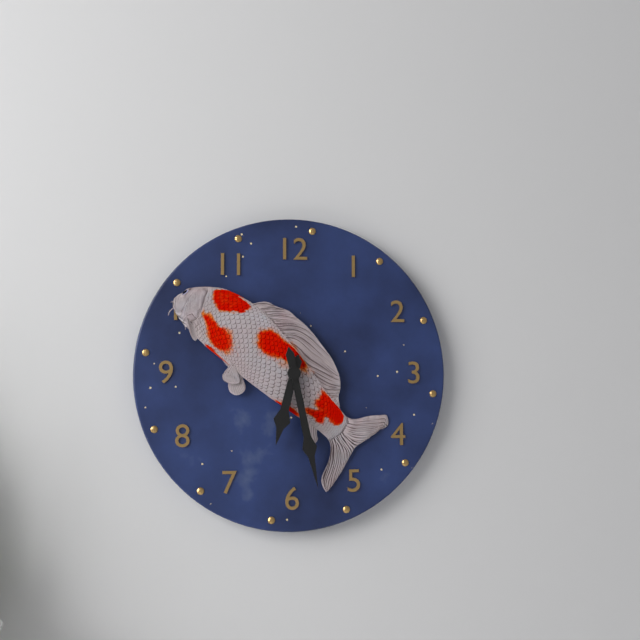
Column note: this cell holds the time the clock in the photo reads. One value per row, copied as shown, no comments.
6:28
